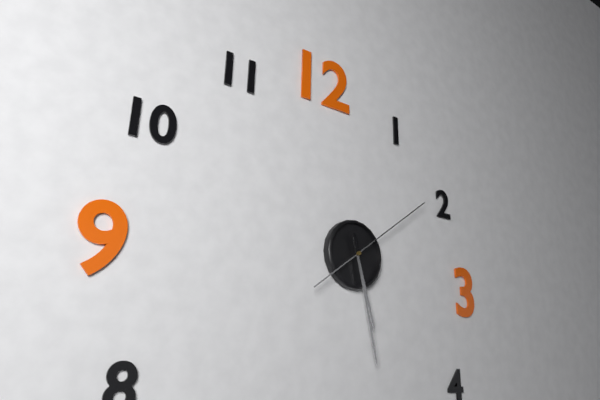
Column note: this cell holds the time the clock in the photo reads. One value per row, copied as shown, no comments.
5:28:09
